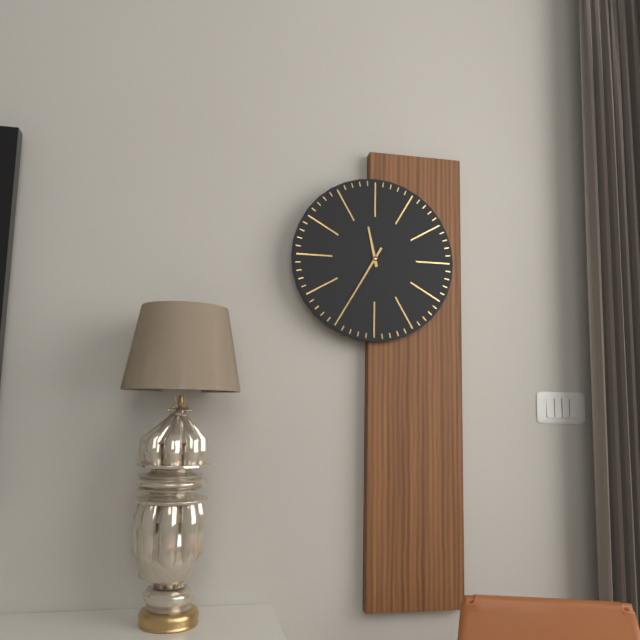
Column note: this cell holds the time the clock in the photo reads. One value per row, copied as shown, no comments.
11:35
